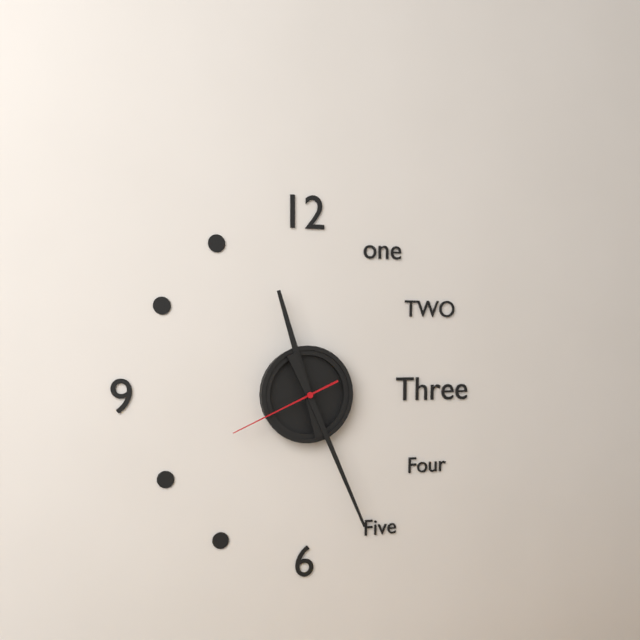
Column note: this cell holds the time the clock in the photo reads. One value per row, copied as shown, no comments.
11:26:41
